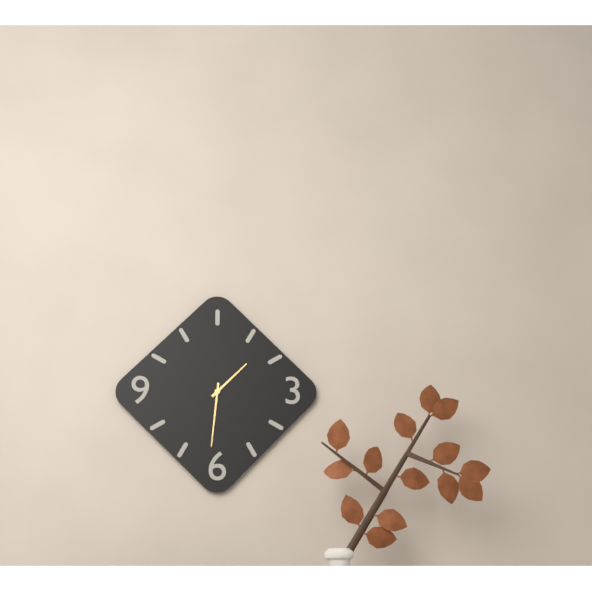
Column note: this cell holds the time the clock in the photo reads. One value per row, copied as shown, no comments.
1:31
